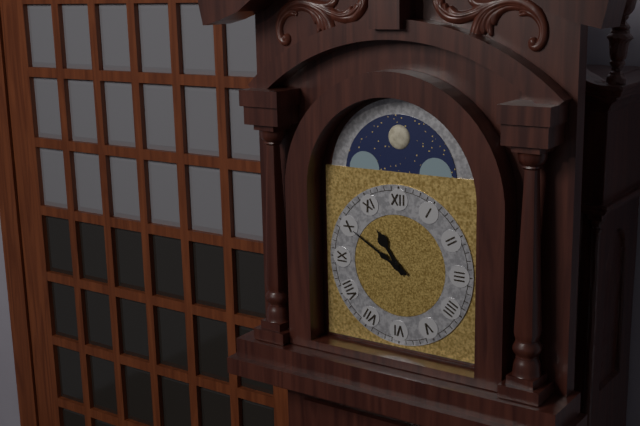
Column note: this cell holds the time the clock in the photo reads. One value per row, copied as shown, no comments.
10:50
